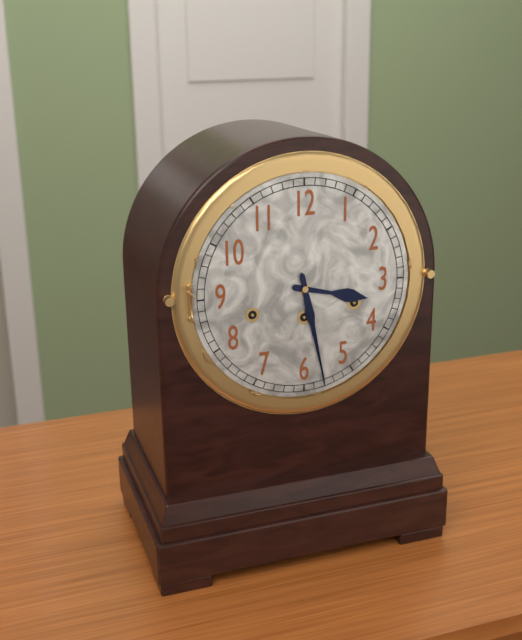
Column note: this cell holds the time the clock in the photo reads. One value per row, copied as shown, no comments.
3:28
